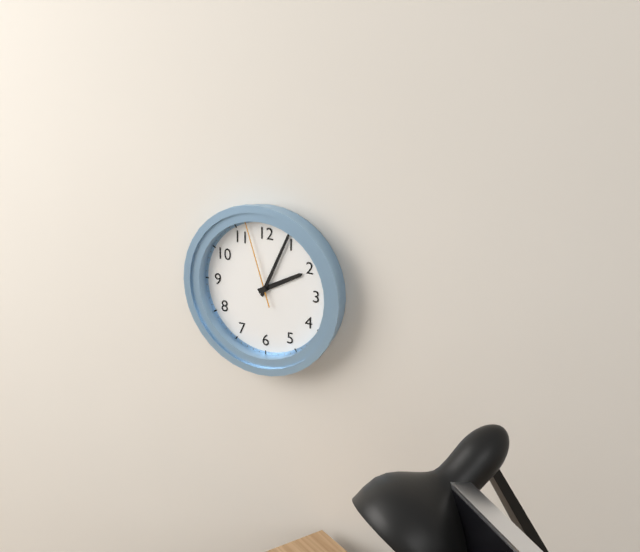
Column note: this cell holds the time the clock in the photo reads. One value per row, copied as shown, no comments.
2:04:57
